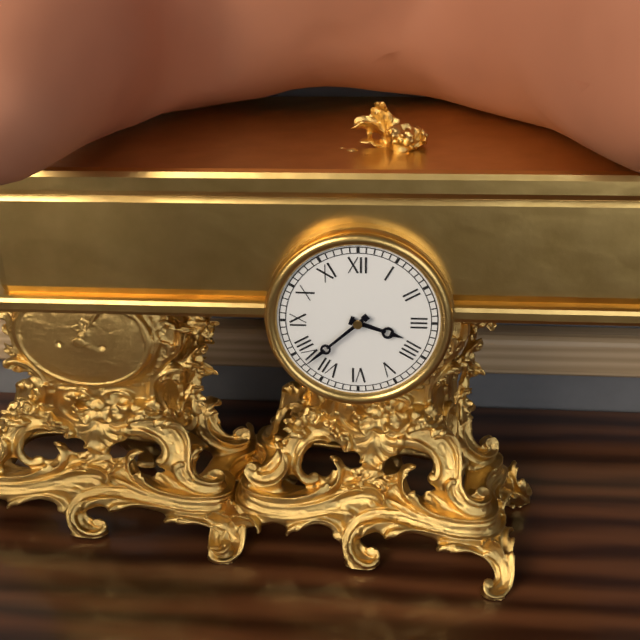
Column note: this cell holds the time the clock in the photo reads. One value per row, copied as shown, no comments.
3:38
